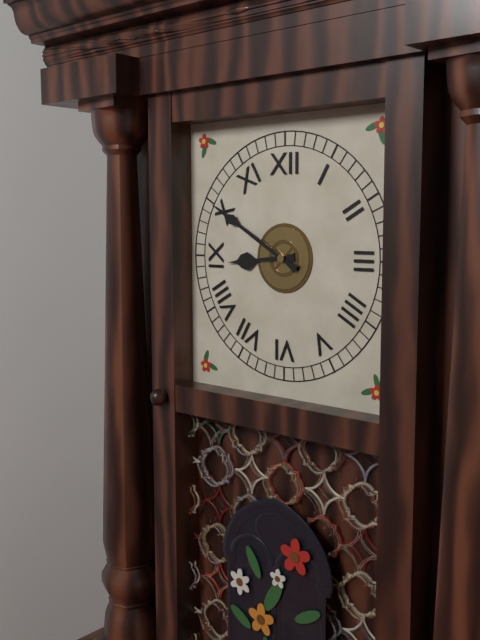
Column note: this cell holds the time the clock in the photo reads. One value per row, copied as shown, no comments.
8:50
